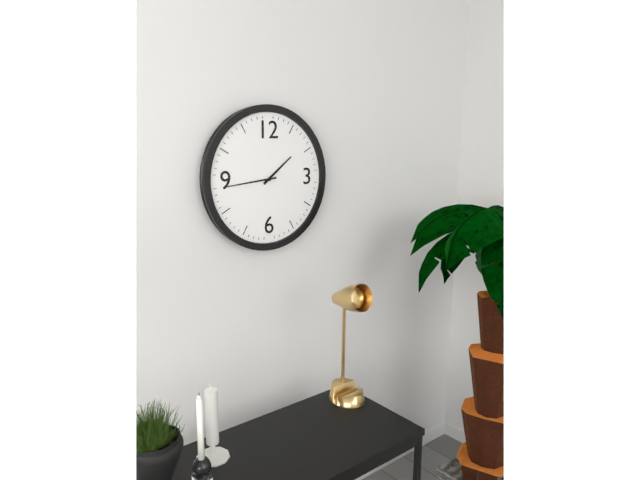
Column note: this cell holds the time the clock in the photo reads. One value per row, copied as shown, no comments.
1:44
